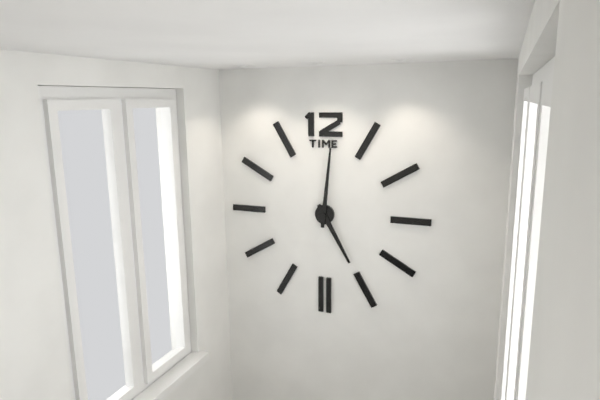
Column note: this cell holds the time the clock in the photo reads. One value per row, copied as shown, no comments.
5:01
